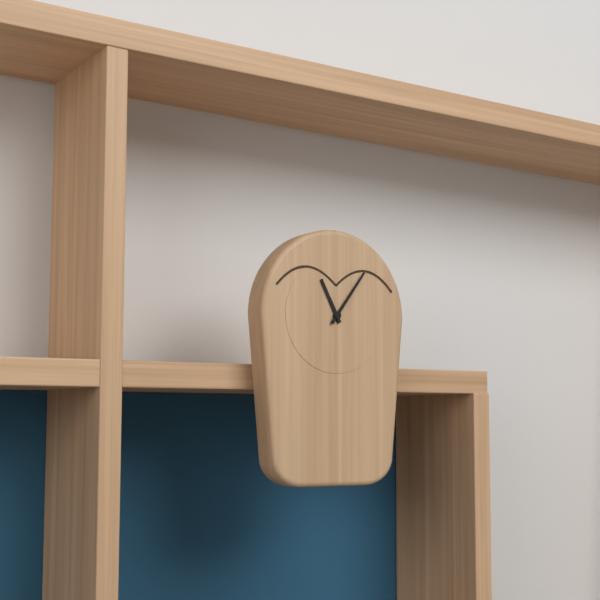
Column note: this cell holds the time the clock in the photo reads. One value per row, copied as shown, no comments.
11:06
